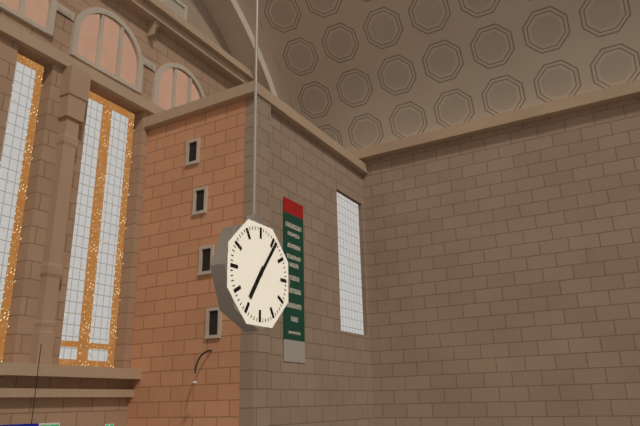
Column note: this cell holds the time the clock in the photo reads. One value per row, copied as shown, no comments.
7:06
